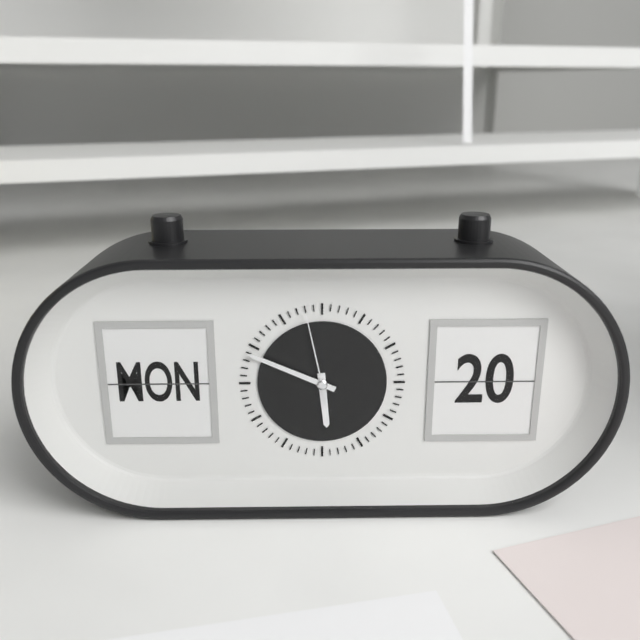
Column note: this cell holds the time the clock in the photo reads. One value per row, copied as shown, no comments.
5:49:58
